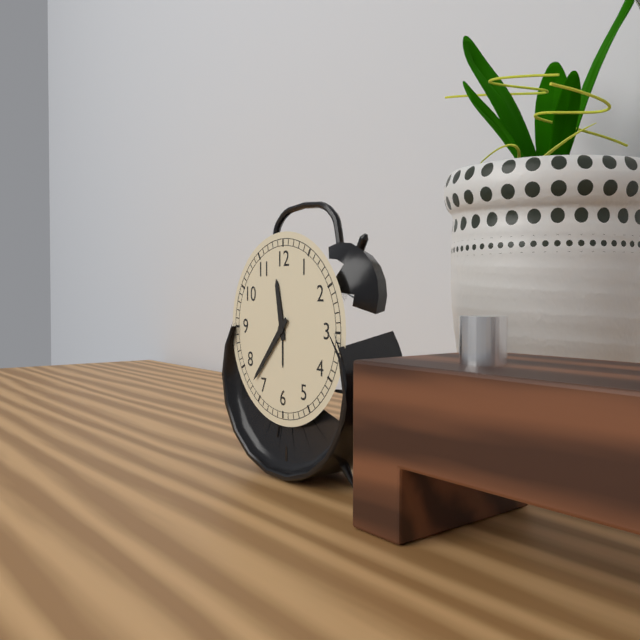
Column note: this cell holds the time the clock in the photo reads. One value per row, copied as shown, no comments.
11:37
